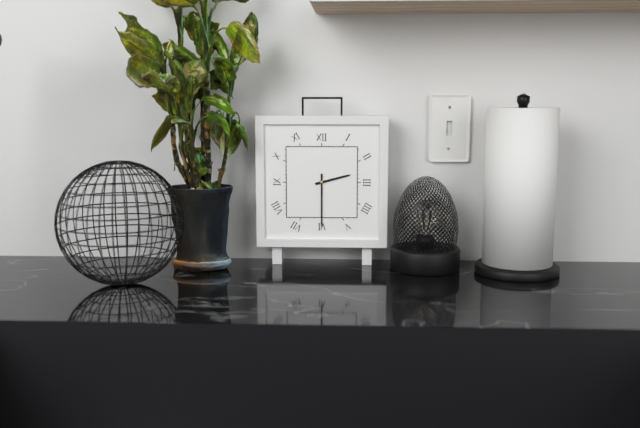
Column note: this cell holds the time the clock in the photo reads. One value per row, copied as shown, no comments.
2:30
